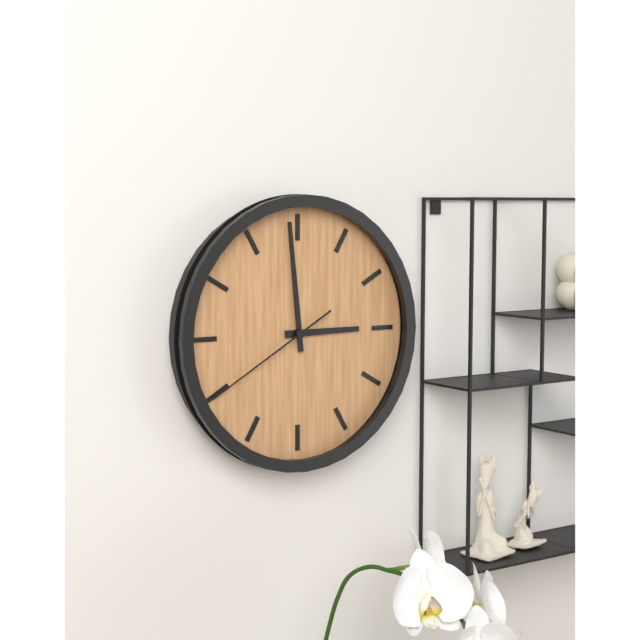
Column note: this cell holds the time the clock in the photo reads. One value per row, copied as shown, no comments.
2:59:40
